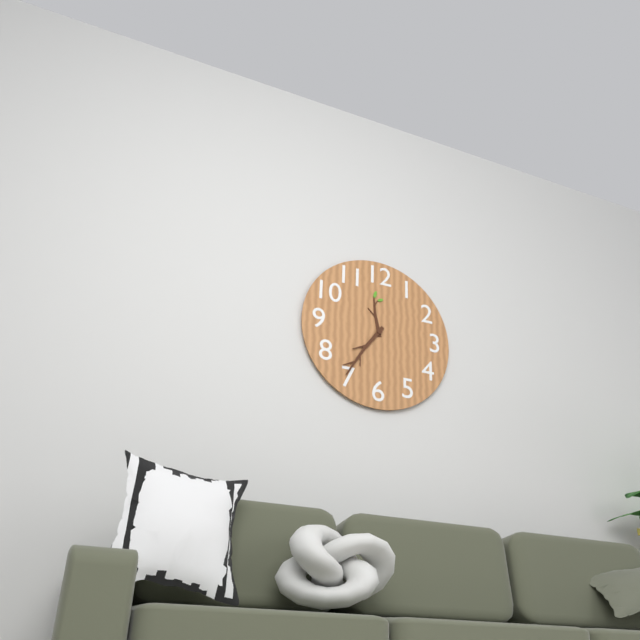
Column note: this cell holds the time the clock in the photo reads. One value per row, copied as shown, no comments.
11:36
